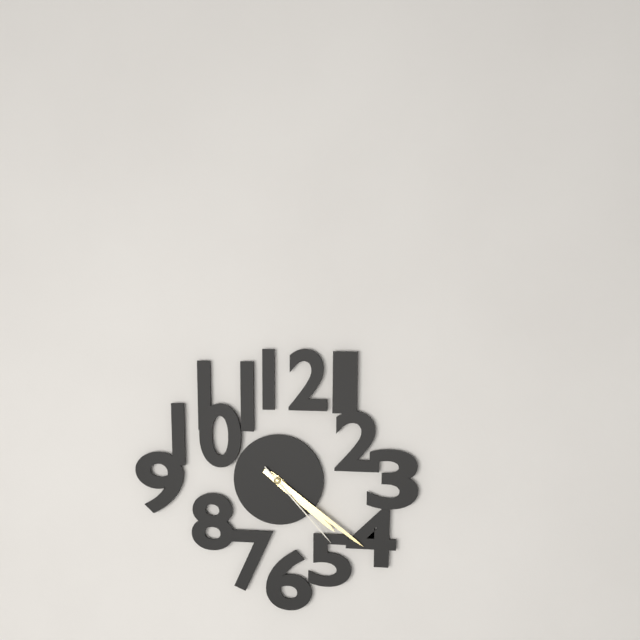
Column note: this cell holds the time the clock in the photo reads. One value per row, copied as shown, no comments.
4:21:23
